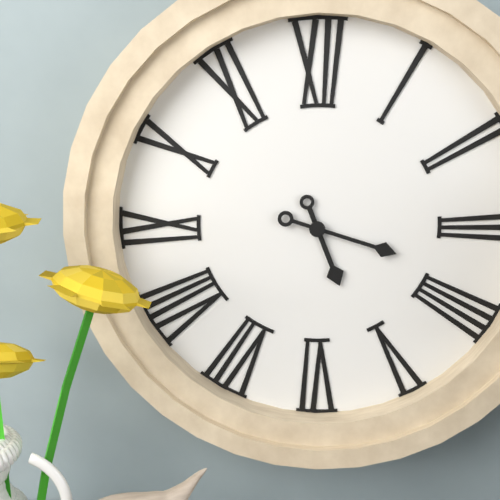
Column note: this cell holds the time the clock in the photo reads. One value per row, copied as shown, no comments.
5:18
